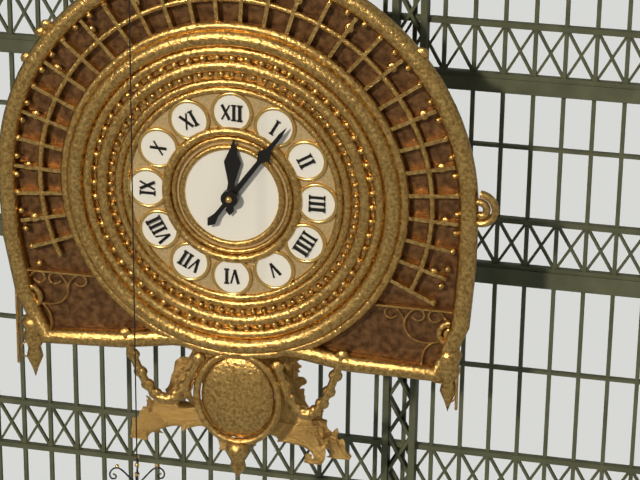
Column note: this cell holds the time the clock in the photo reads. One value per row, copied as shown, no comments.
12:06
